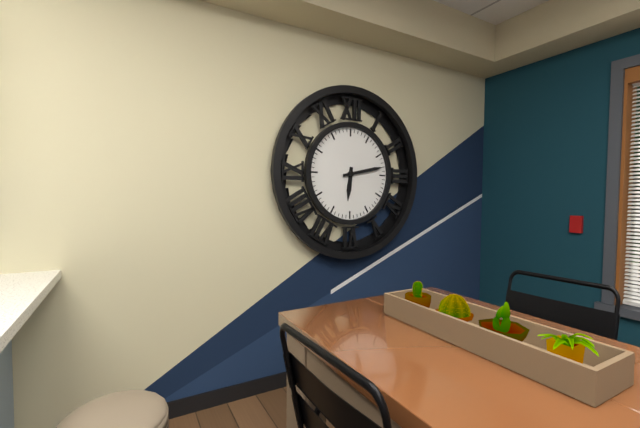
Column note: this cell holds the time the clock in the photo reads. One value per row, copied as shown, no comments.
6:13
